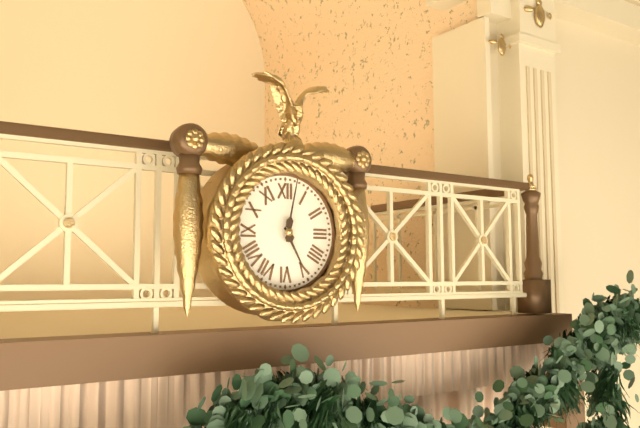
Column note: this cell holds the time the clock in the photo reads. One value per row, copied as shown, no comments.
5:02
